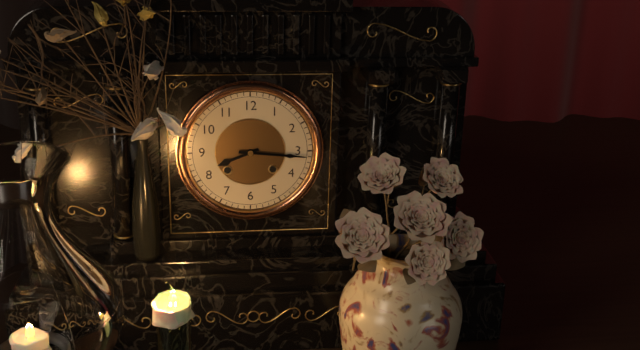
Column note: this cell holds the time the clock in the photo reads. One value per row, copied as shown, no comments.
8:16
